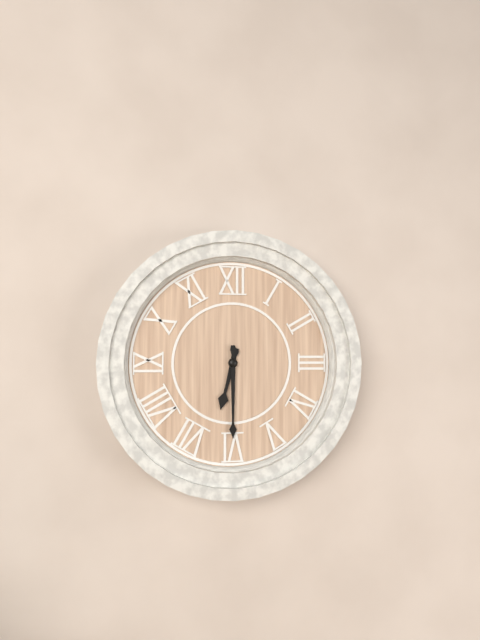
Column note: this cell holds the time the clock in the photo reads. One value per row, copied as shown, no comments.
6:30
